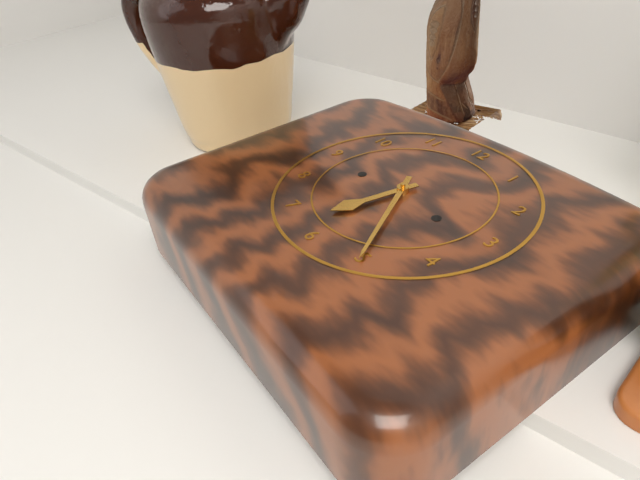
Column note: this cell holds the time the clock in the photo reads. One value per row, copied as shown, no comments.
6:25
